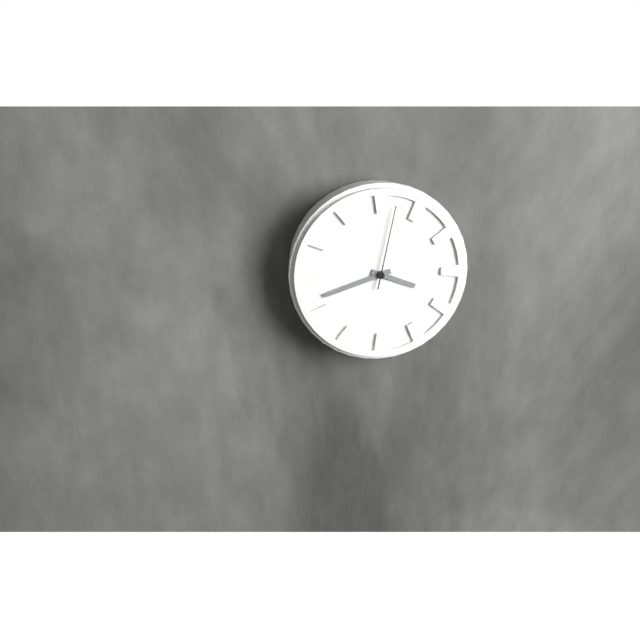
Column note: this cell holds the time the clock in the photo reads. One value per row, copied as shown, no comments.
3:42:02
